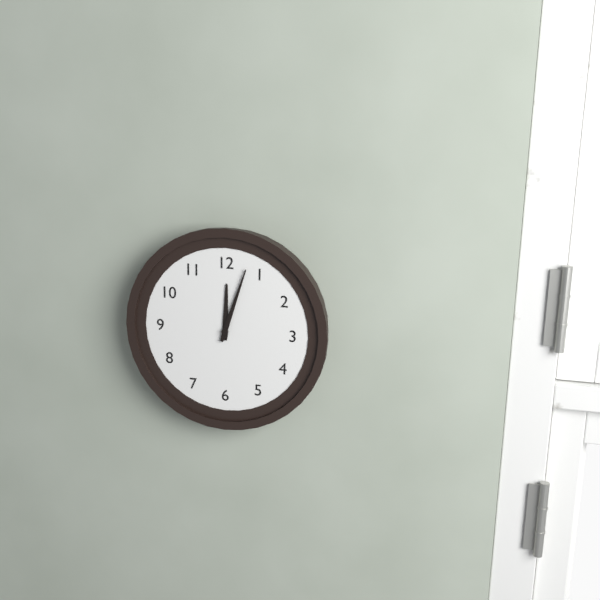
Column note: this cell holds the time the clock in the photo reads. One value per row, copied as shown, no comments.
12:03
